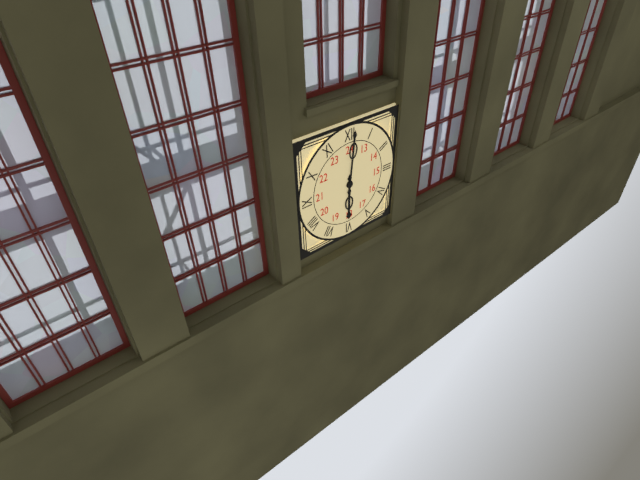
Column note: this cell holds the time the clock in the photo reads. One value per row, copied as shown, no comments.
6:01
